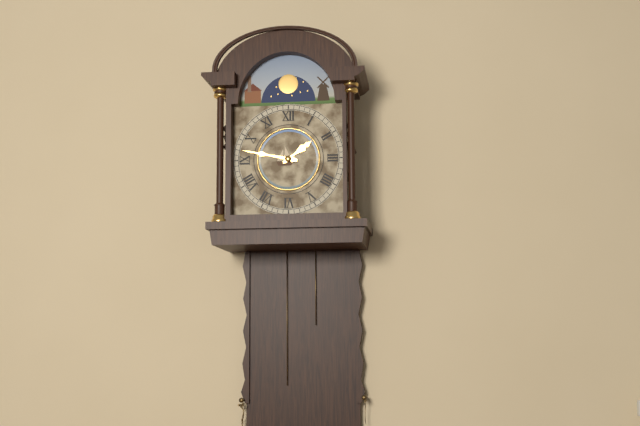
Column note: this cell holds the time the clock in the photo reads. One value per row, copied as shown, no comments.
1:47
